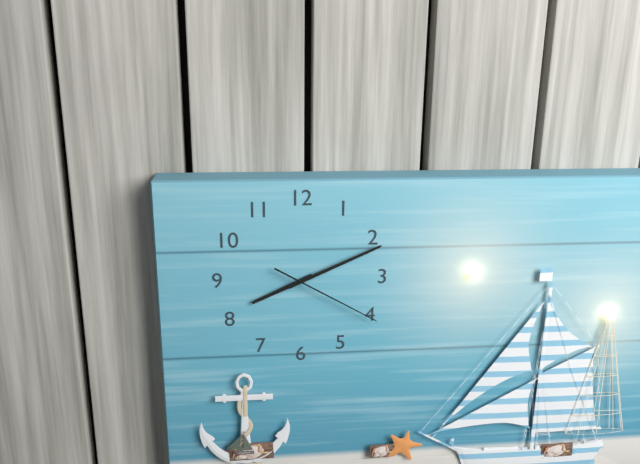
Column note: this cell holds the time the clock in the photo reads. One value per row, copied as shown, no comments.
8:11:20
